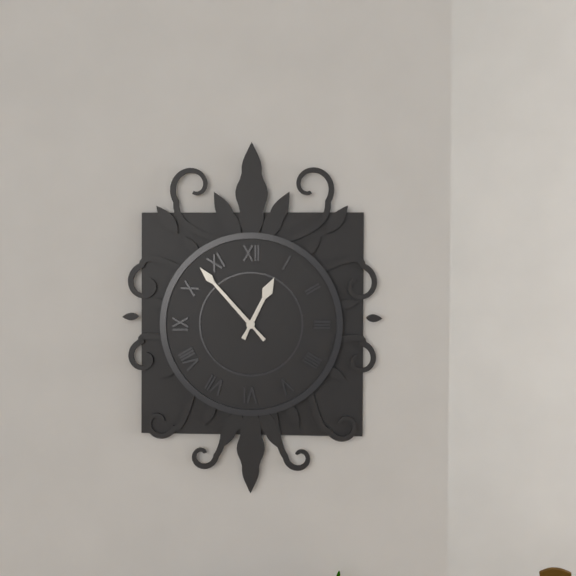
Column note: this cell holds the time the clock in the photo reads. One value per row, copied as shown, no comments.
12:53
